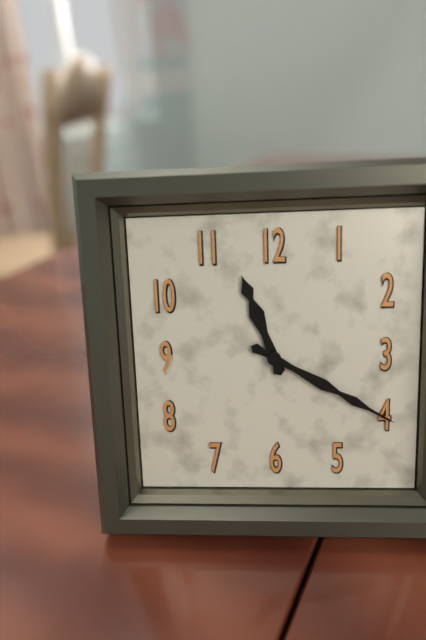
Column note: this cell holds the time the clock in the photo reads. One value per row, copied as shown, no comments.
11:20
